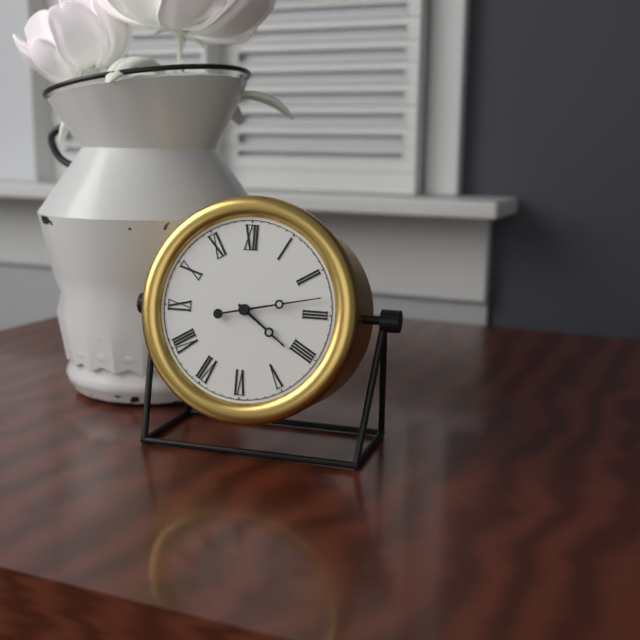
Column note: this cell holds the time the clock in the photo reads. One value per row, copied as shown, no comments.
4:13
